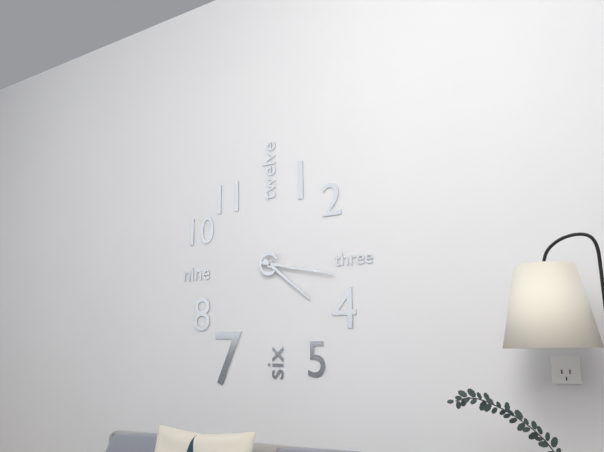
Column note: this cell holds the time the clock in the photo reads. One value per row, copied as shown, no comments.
4:17
